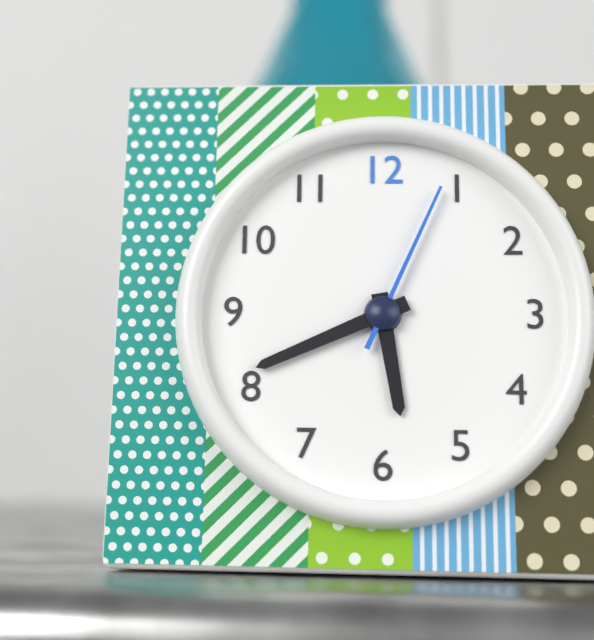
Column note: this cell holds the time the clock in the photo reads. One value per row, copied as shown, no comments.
5:41:04
